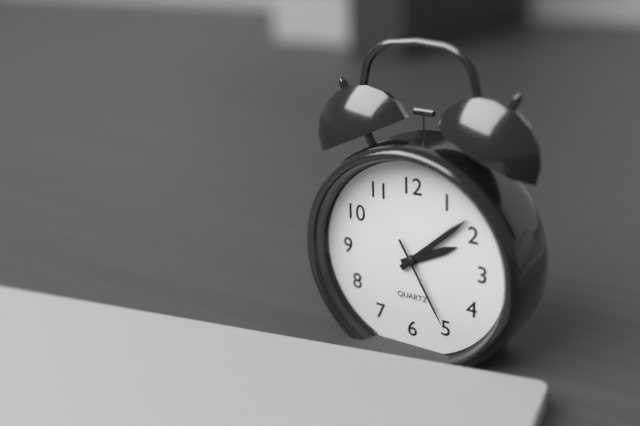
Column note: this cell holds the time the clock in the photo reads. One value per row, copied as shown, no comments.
2:08:25
